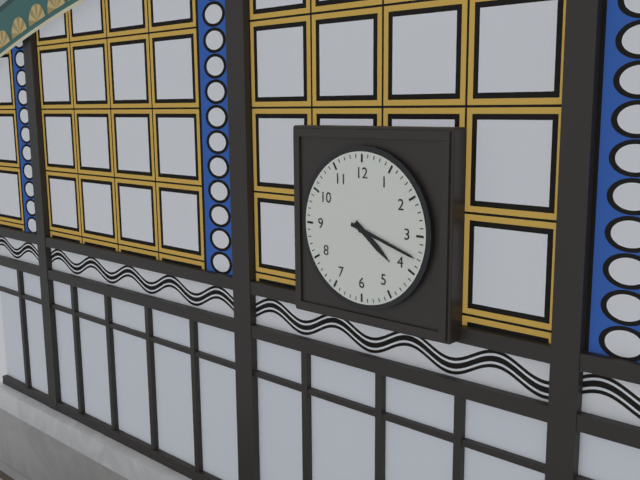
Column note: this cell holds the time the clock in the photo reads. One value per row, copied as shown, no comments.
4:18
